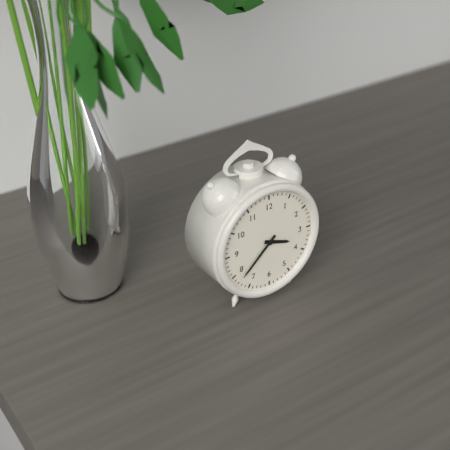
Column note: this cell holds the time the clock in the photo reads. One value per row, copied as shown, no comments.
3:38
